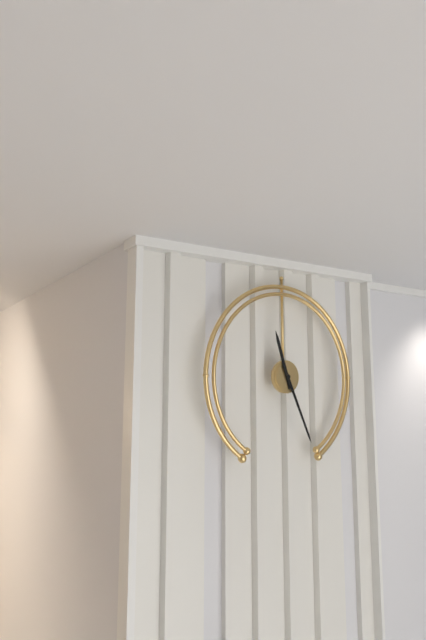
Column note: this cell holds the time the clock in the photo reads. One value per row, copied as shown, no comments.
11:26
